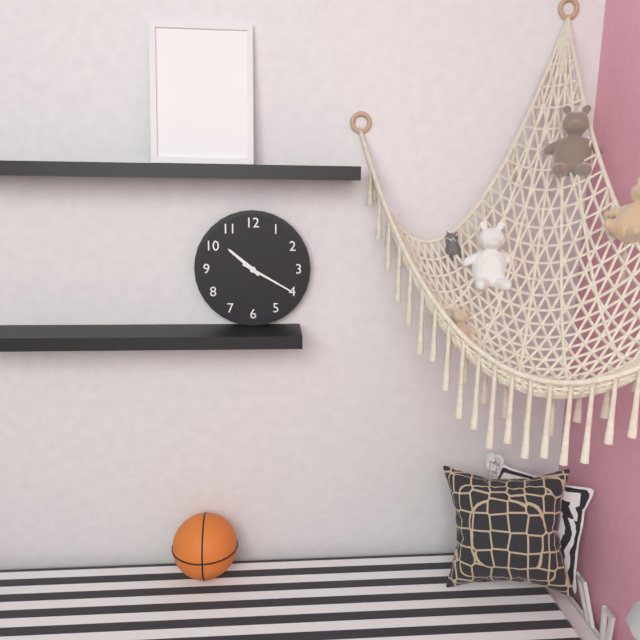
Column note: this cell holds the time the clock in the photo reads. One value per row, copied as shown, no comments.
10:20
